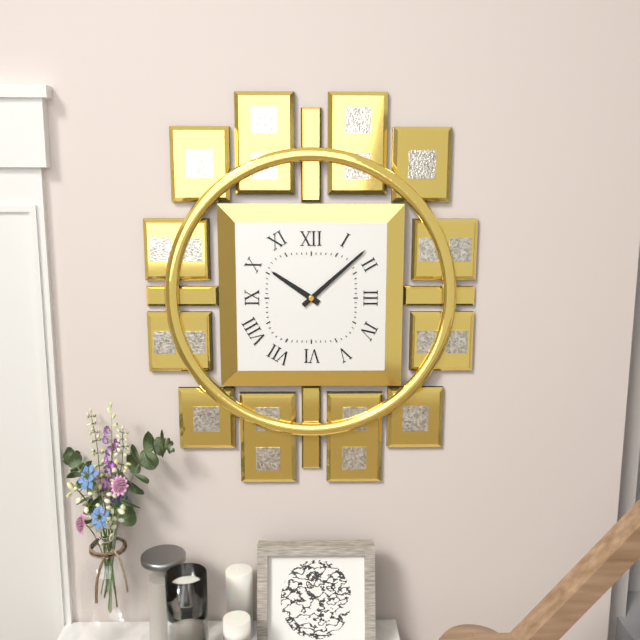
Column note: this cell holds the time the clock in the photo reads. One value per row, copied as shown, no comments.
10:08
